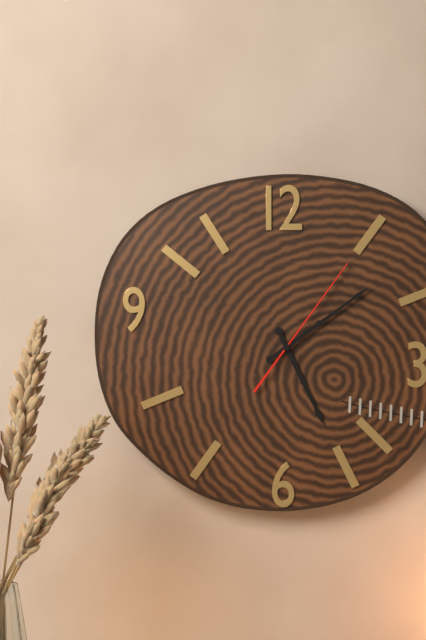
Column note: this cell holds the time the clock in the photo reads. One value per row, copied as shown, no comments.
5:09:06
